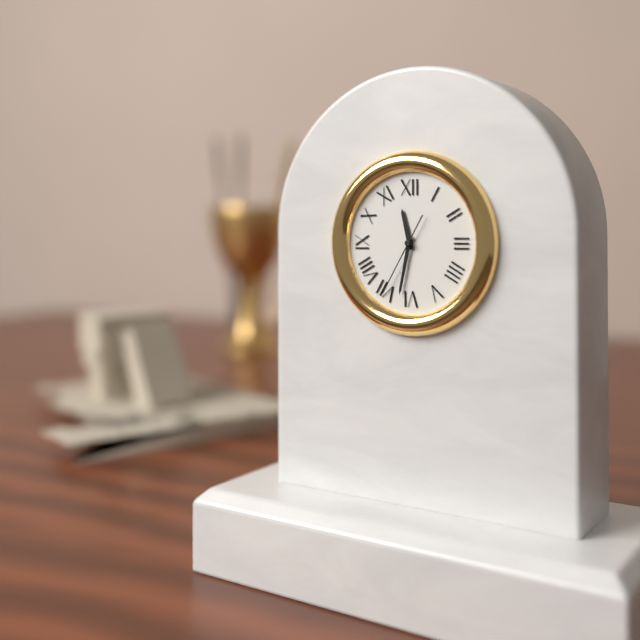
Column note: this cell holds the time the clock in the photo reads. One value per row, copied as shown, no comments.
11:32:35
